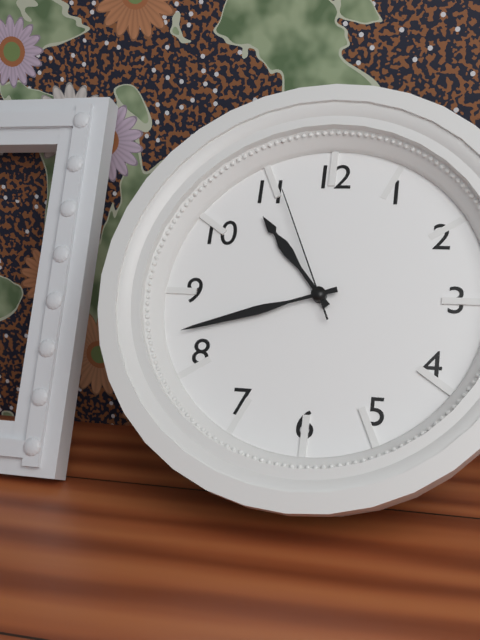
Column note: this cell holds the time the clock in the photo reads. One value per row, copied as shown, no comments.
10:42:56
